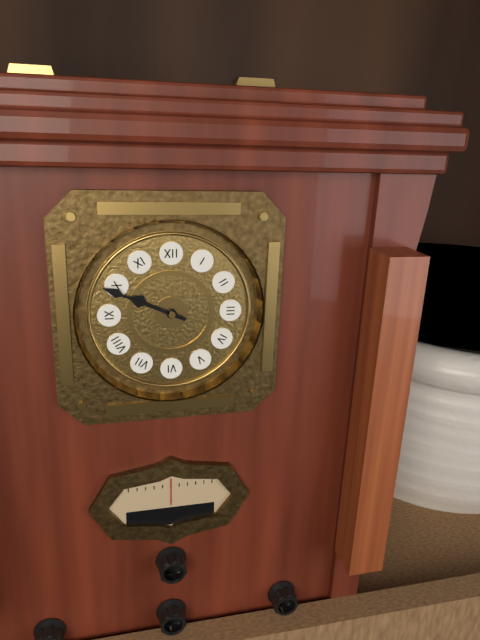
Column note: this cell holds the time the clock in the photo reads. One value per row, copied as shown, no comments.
9:49
